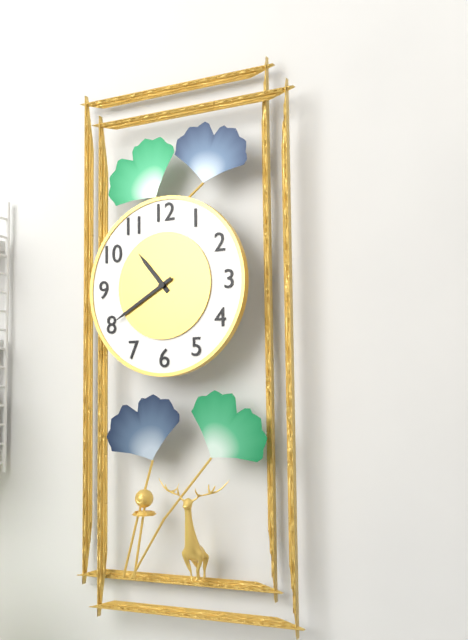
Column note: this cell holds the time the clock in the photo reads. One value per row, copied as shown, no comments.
10:40
